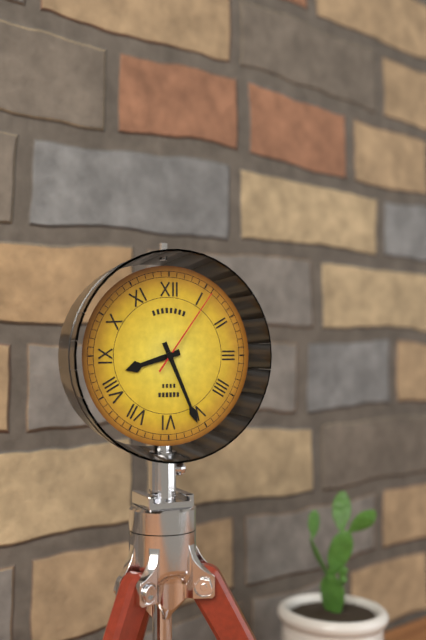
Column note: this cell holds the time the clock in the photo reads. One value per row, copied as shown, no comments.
8:26:06
